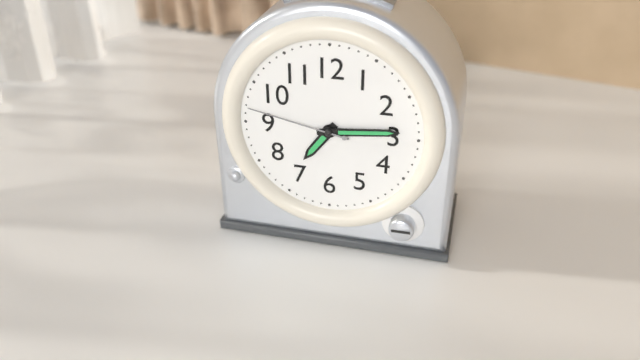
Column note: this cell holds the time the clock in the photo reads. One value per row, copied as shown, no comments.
7:14:47
